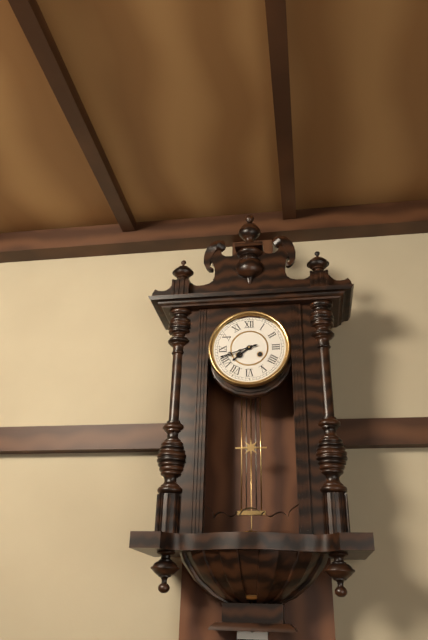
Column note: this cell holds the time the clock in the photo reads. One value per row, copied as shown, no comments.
7:42
